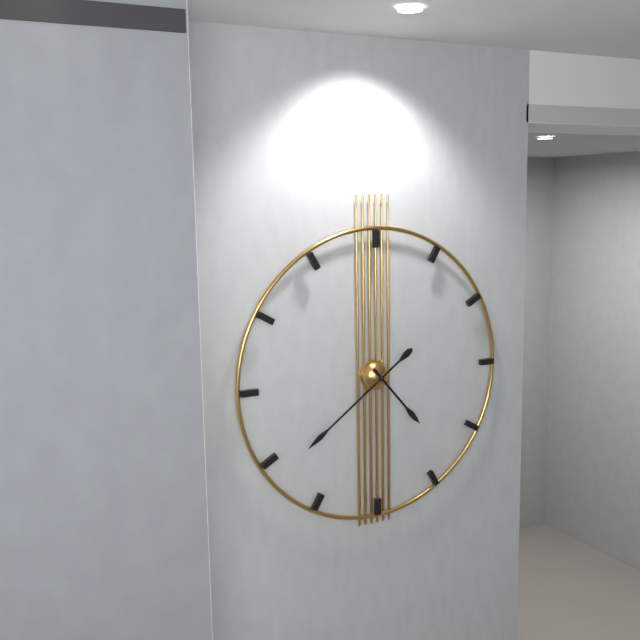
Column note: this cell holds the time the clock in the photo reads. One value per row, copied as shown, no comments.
4:39
